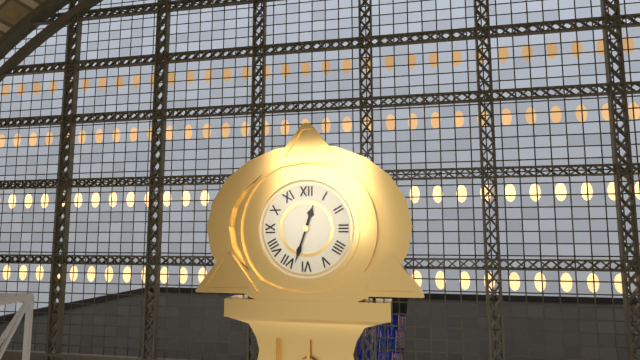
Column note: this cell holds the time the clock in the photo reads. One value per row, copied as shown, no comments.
12:33
